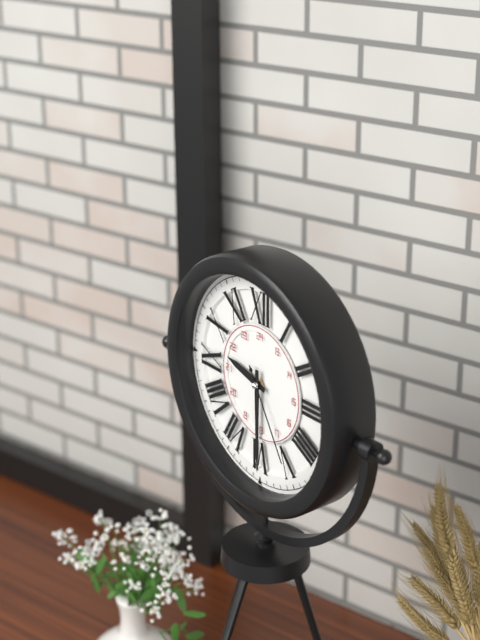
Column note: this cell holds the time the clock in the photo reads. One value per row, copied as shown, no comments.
9:30:25
